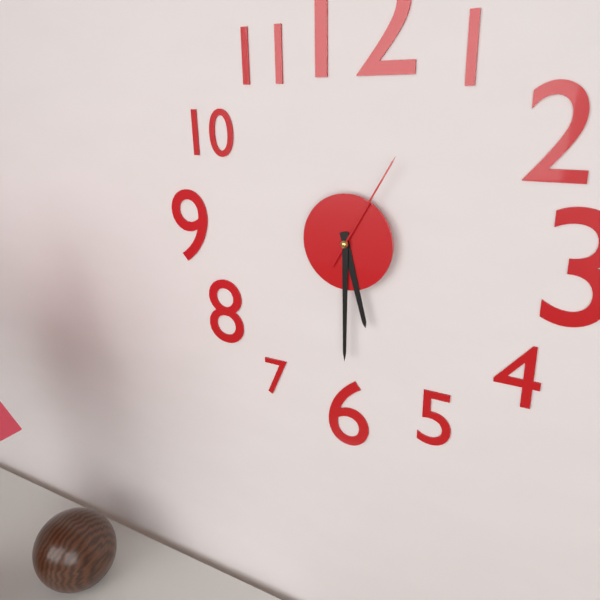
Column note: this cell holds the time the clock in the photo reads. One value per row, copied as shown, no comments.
5:30:05
